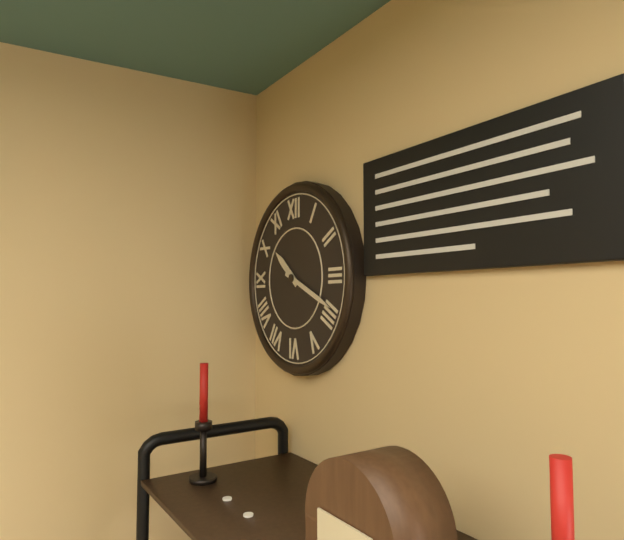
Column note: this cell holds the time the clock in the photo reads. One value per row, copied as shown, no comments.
10:19
